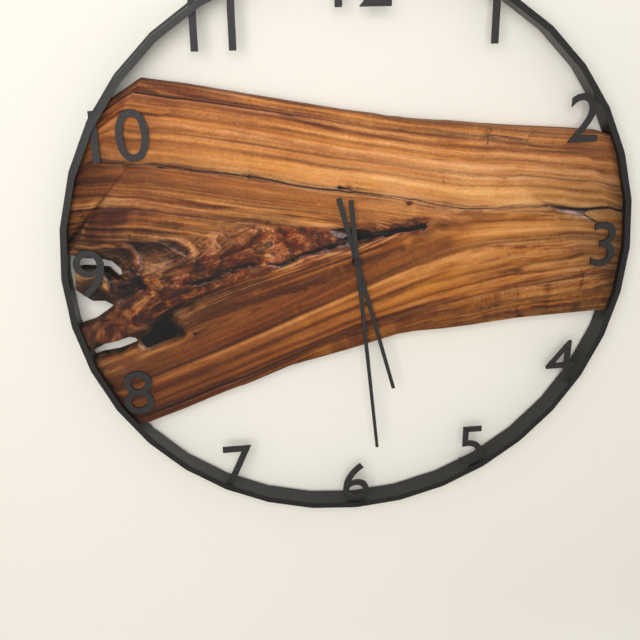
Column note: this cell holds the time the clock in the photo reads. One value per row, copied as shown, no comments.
5:29
